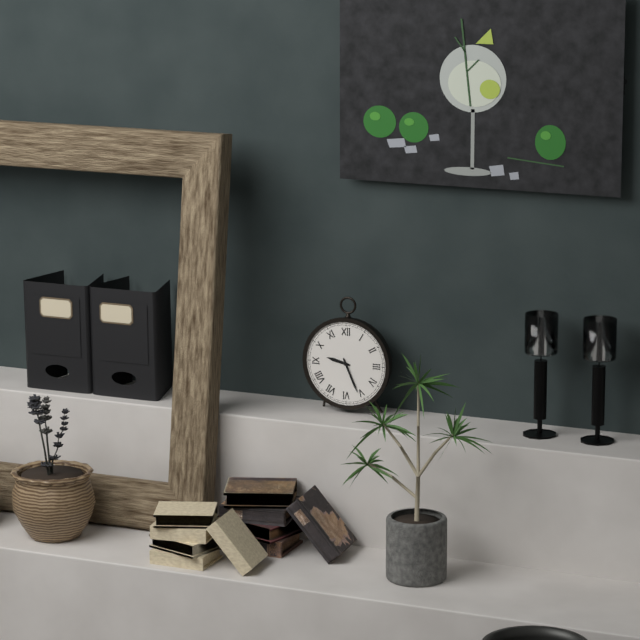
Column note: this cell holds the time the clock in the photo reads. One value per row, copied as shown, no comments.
9:26
